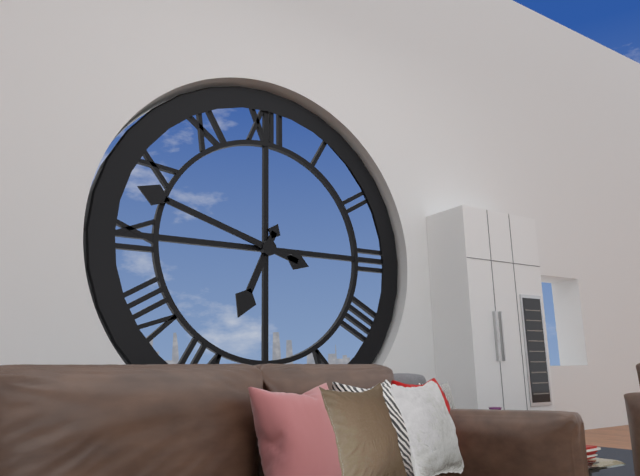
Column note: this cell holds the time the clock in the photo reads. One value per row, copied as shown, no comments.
6:48
